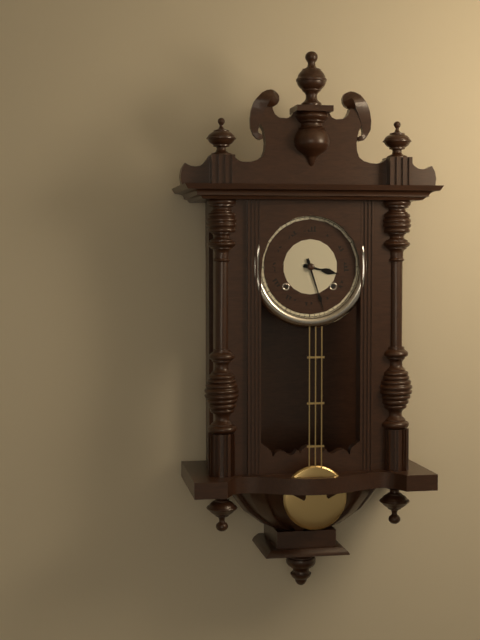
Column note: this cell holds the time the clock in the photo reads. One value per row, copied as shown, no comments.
3:27
